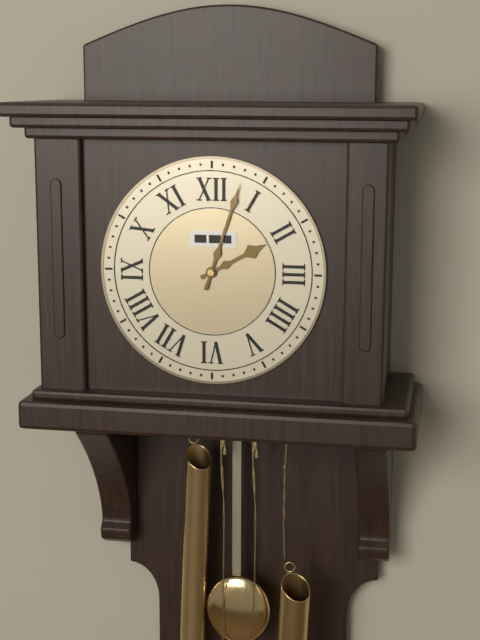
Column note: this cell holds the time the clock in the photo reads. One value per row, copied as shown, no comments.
2:03
